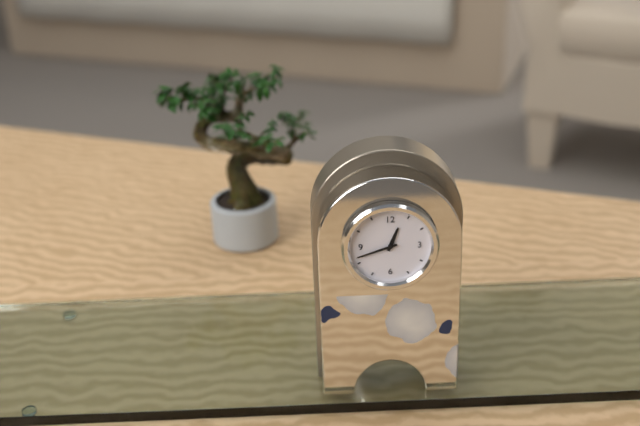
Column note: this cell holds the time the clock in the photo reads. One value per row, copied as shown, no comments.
12:42
